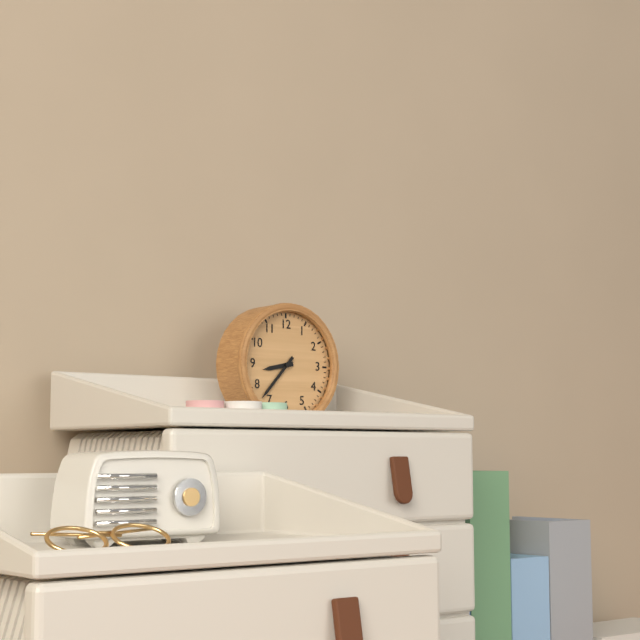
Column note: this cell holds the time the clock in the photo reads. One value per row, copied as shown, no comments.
8:37
